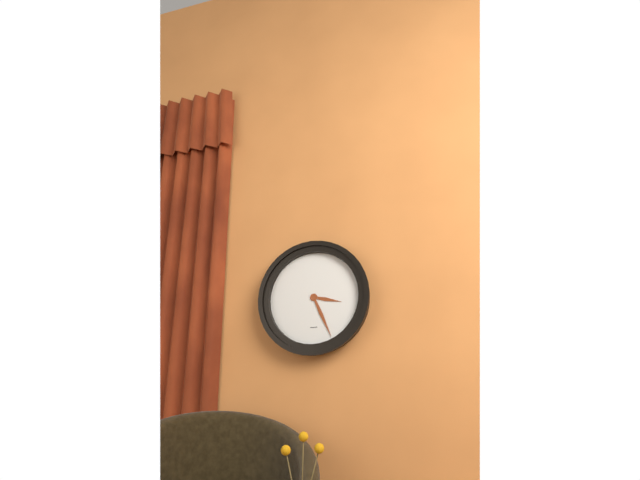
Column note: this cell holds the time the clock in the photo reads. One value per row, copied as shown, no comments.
3:26
